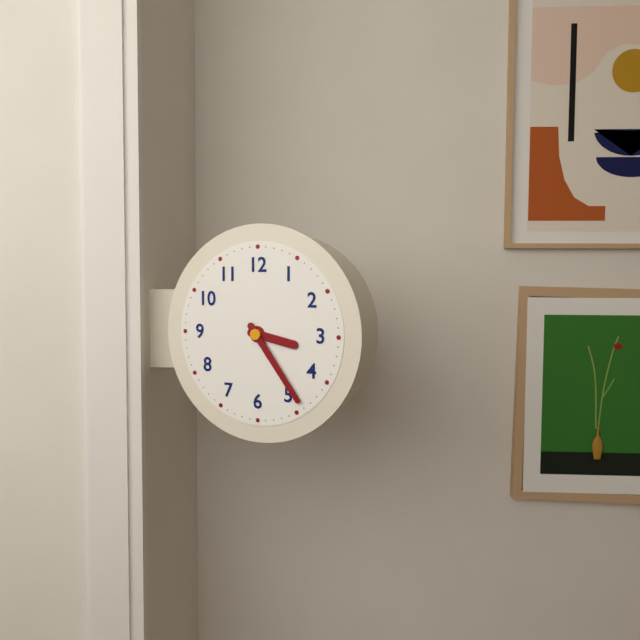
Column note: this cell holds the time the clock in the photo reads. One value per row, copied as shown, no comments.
3:24
